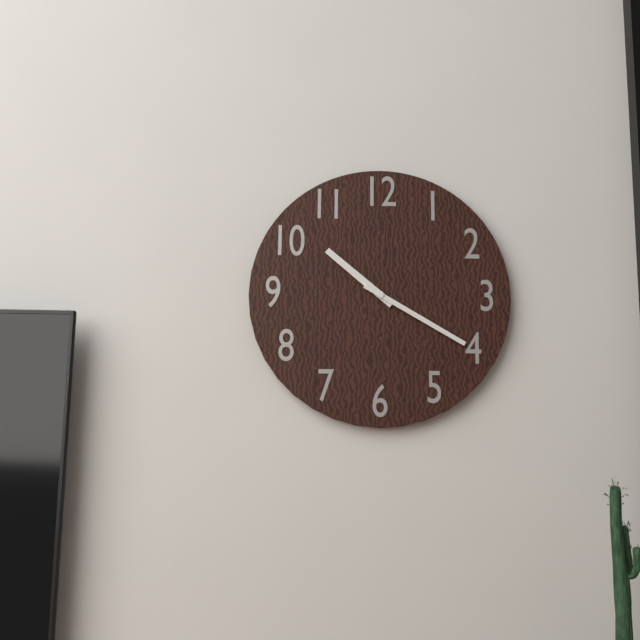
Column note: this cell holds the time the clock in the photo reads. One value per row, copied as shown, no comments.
10:20
